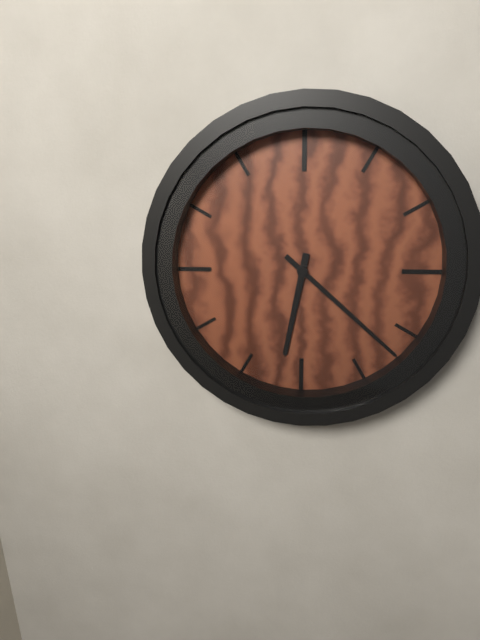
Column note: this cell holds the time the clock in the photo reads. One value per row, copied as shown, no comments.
6:22
